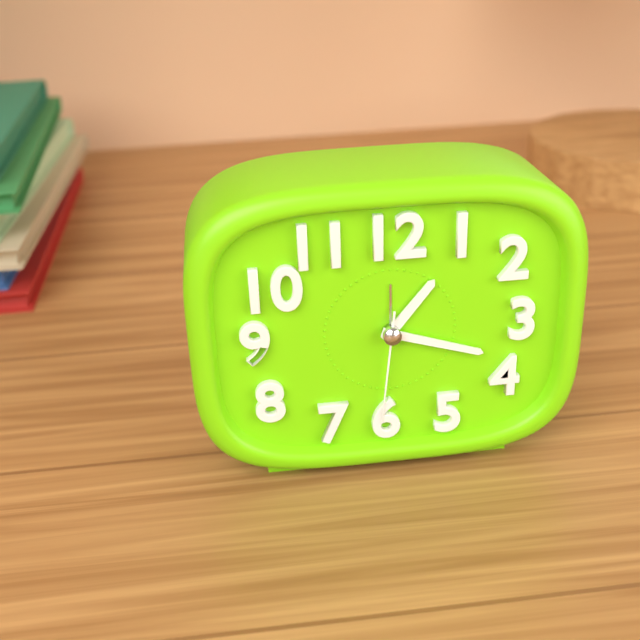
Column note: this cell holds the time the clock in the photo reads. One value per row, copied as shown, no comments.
1:18:31
